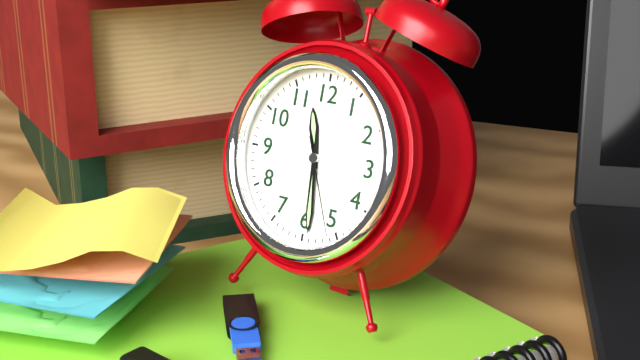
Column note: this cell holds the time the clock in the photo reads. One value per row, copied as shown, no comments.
11:29:26
